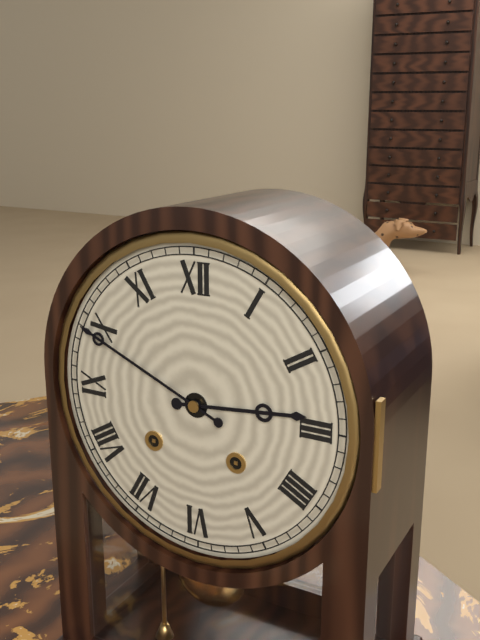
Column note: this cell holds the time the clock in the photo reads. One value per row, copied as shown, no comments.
2:49
